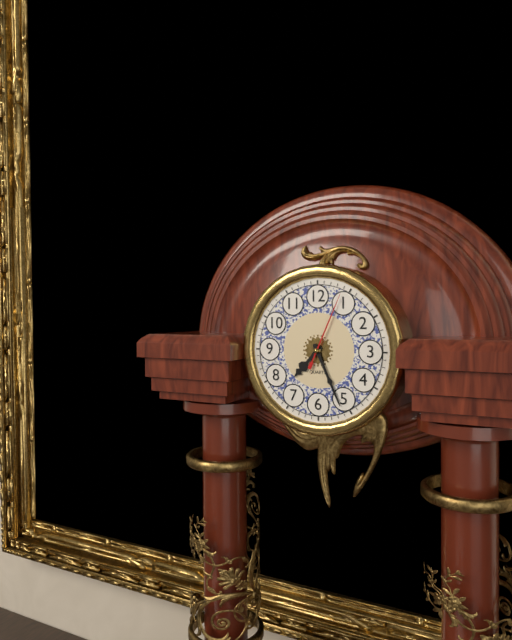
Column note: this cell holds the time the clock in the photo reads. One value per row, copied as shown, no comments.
7:26:04
